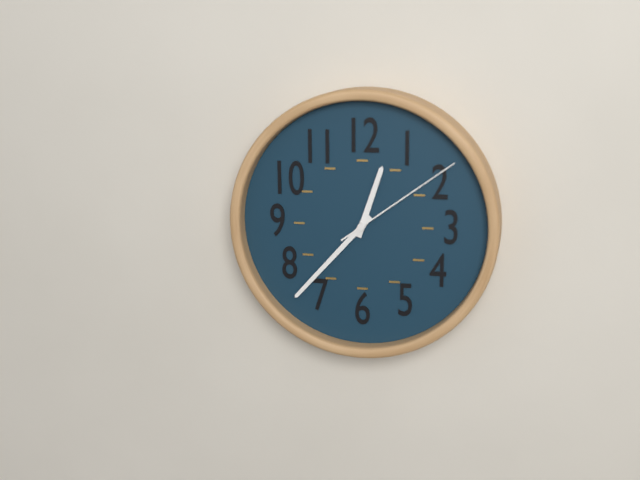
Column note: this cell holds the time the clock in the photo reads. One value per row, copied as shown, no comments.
12:37:09
